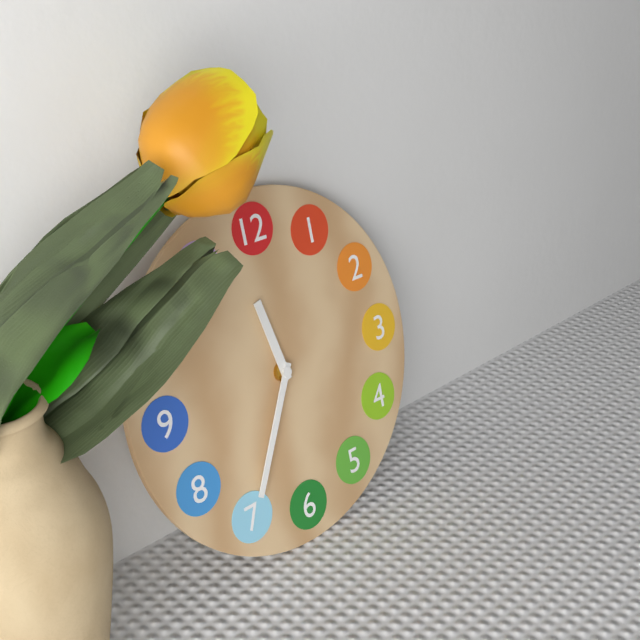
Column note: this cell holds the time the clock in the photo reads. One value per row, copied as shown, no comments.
11:35
